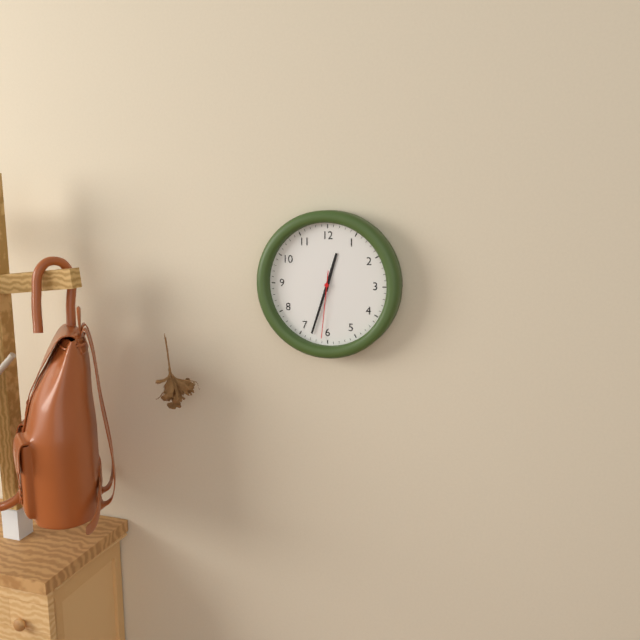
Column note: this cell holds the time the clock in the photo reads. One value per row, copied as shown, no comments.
12:33:31
